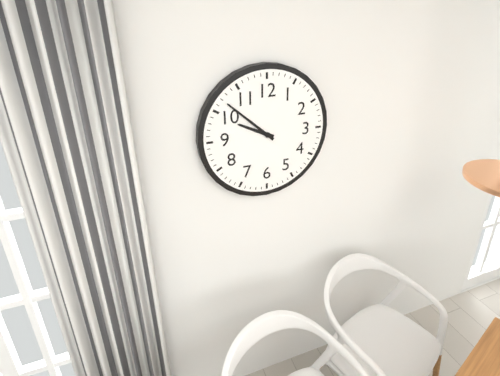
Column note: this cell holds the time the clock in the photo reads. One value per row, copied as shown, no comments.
9:52
